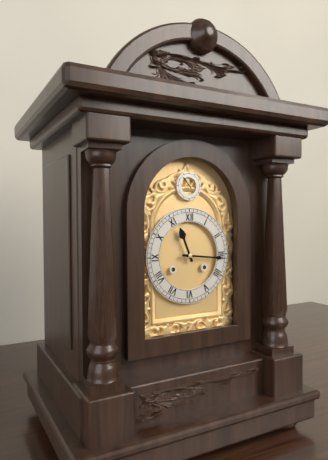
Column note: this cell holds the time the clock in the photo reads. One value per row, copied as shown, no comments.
11:16
